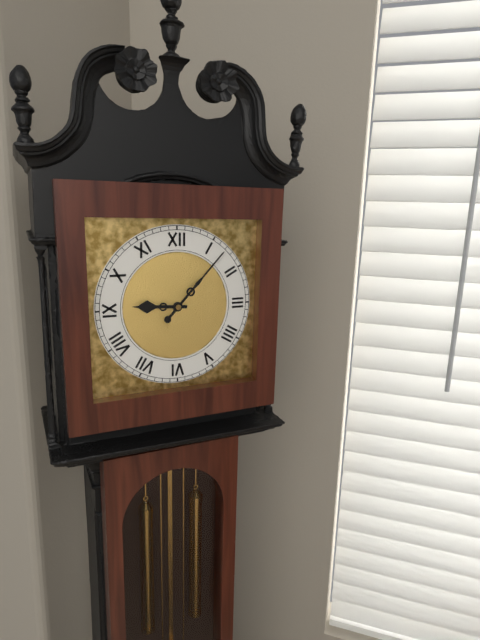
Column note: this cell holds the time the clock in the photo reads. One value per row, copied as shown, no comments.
9:07
